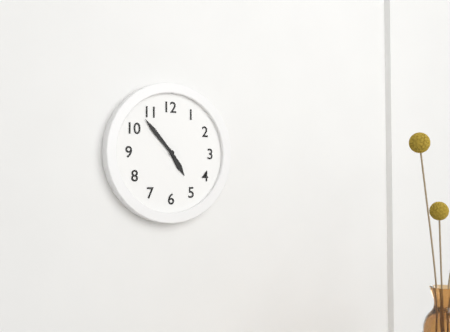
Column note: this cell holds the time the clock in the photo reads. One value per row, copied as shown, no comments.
4:53
